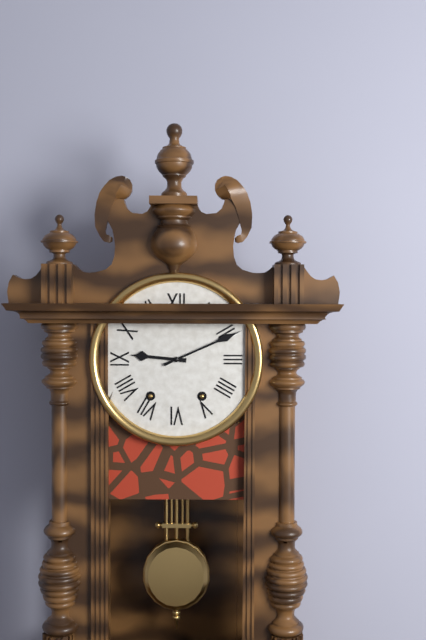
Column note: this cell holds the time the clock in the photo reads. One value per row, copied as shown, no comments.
9:11
